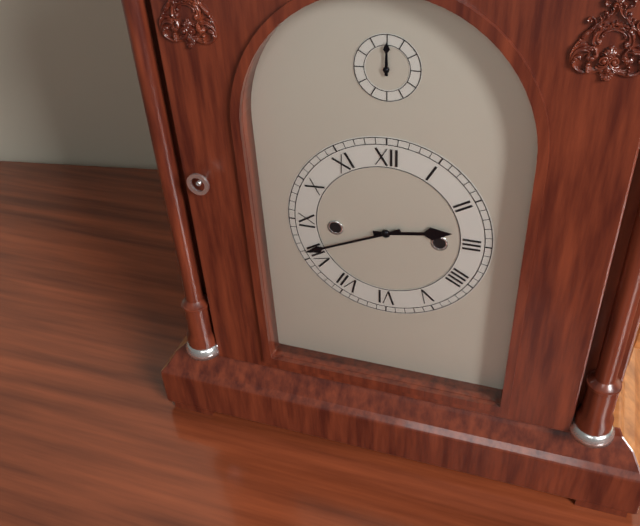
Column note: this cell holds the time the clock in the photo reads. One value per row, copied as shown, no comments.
2:41
